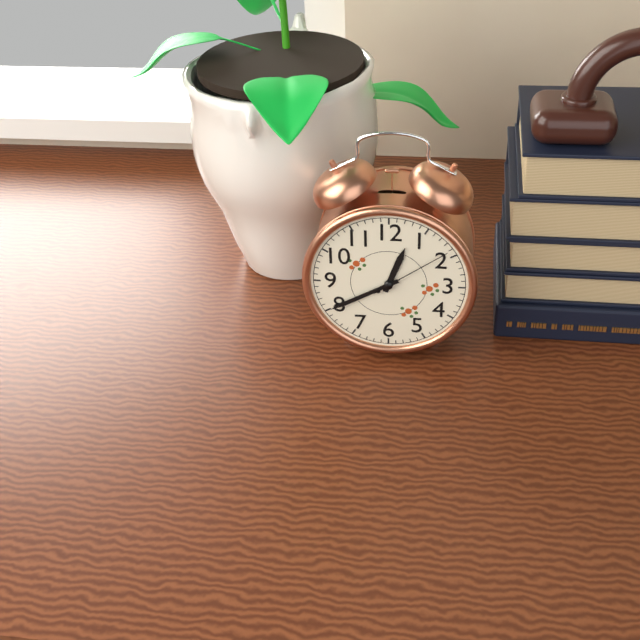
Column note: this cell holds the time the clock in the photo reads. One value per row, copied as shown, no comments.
12:40:09
